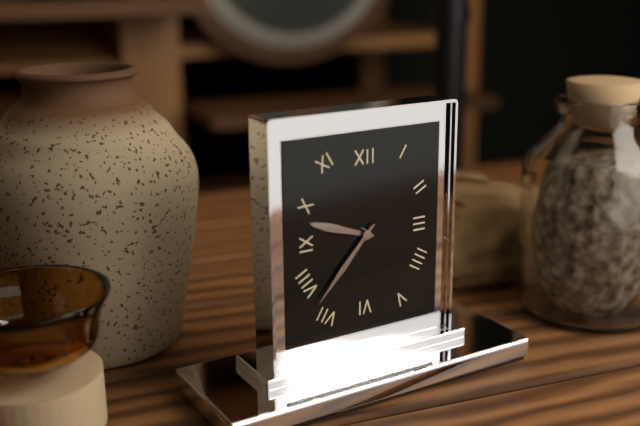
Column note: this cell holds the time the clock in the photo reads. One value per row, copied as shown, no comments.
9:37
